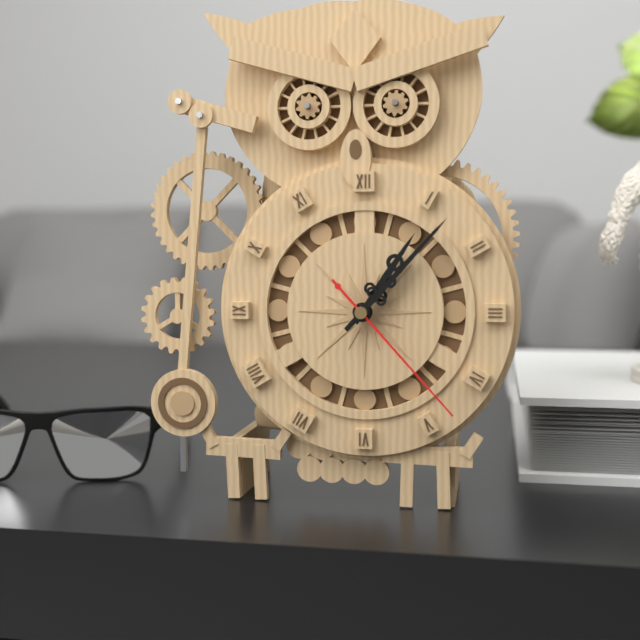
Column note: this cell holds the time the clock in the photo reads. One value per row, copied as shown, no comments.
1:07:23
